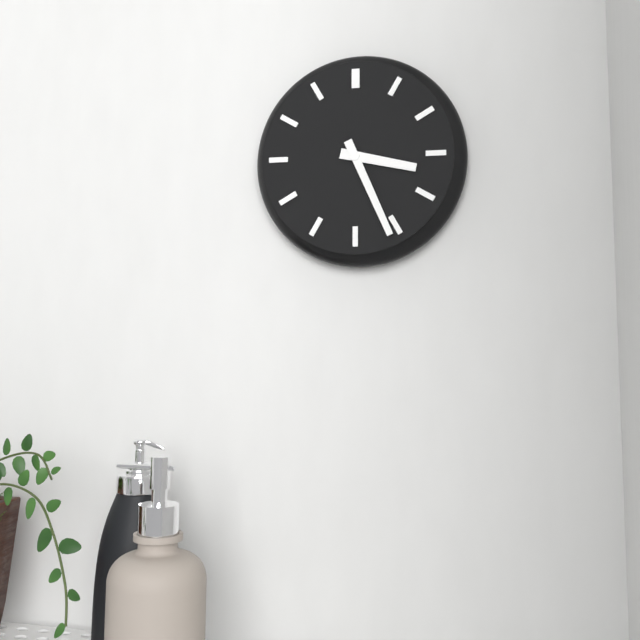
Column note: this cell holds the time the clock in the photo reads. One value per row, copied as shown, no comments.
3:26
